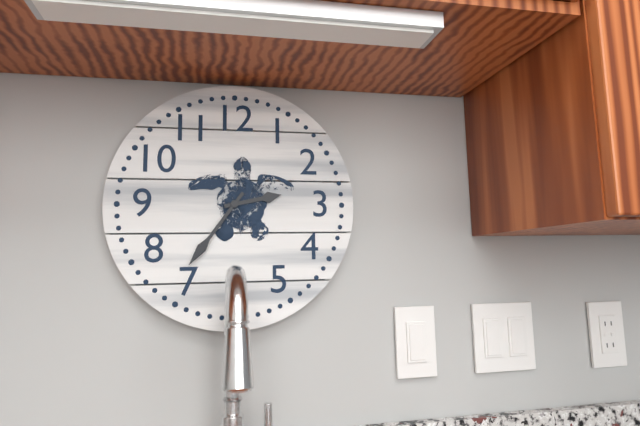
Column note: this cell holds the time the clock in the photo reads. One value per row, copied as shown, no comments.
2:36
